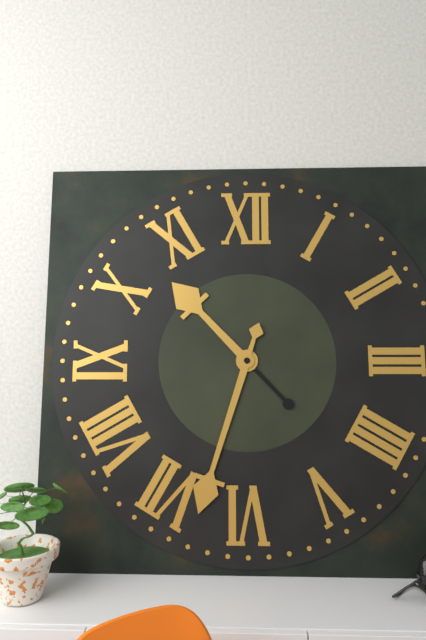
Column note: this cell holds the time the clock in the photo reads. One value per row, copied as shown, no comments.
10:33
